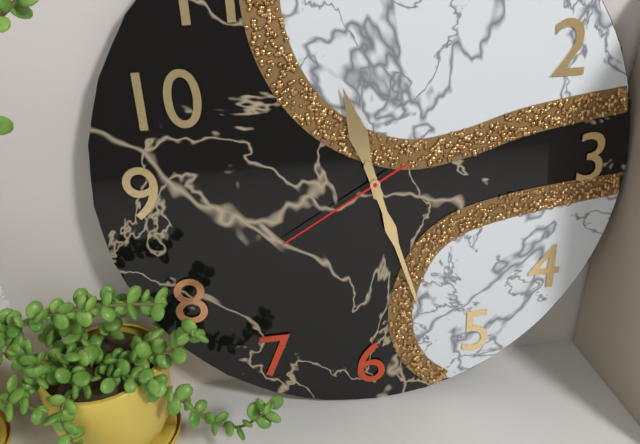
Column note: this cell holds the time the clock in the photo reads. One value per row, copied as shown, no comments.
11:27:40
